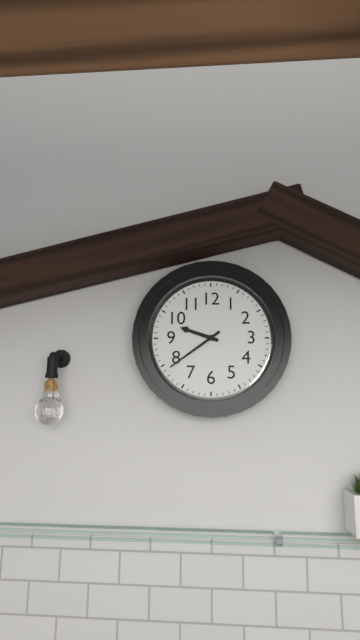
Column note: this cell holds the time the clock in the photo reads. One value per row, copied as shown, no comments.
9:39
